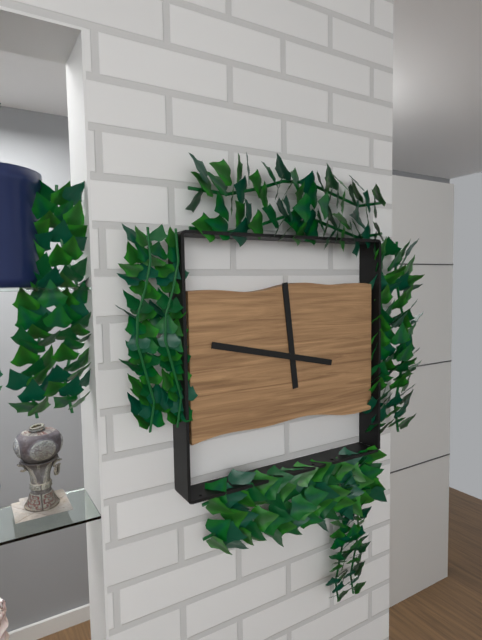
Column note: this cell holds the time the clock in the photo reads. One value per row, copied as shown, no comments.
11:47
